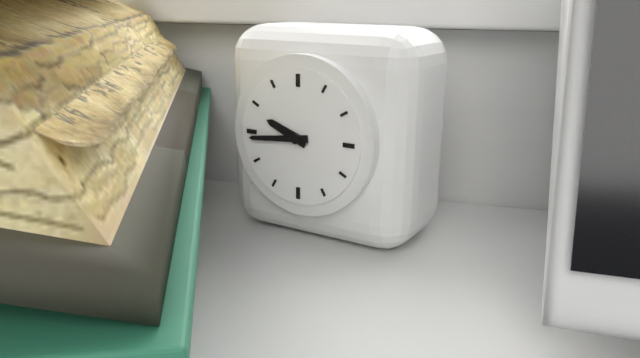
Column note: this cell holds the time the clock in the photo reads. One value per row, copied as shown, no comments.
9:44
